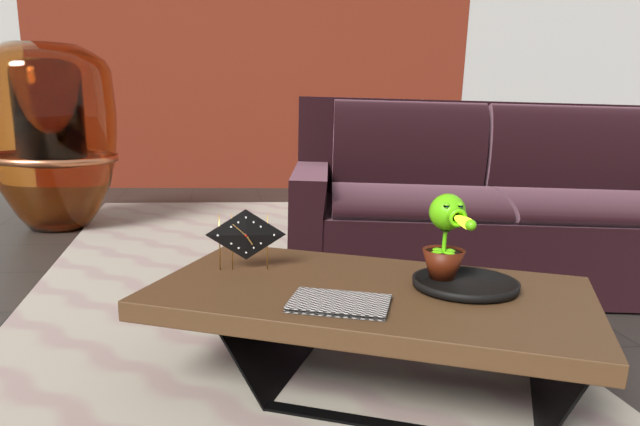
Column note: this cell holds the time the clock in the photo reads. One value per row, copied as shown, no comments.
4:52
